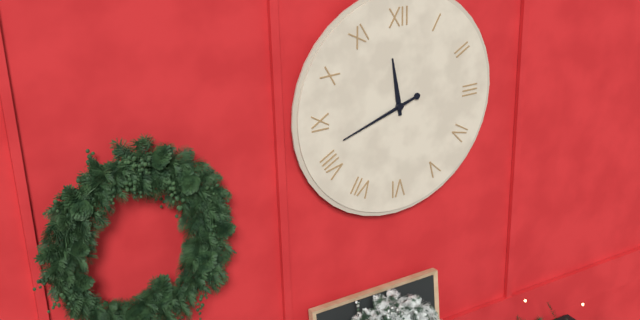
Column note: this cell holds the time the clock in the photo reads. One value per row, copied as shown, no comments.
11:42
